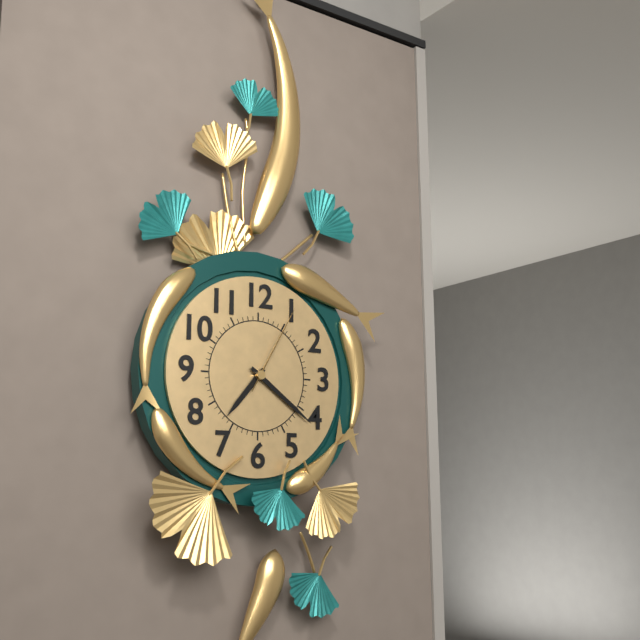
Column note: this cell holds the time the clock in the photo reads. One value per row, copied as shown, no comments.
7:21:05
